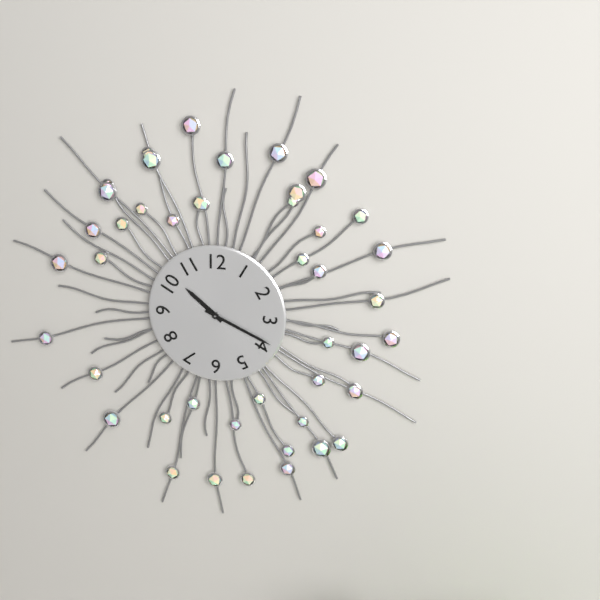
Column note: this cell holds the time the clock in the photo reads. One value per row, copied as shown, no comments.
10:19
